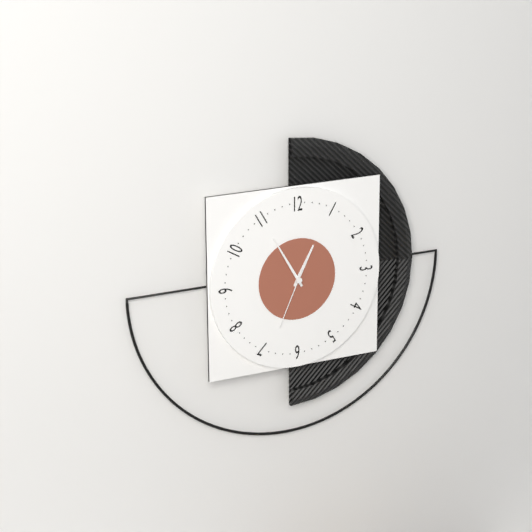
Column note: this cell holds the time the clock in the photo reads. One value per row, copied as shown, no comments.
12:55:34
